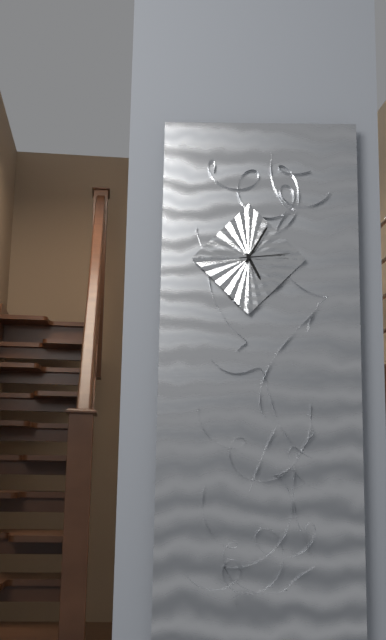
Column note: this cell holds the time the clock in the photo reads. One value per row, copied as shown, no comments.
5:05:14
